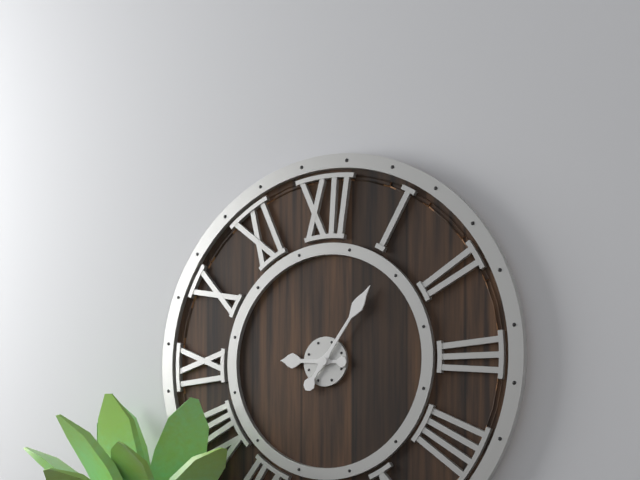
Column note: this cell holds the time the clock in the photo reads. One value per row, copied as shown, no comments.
9:06
